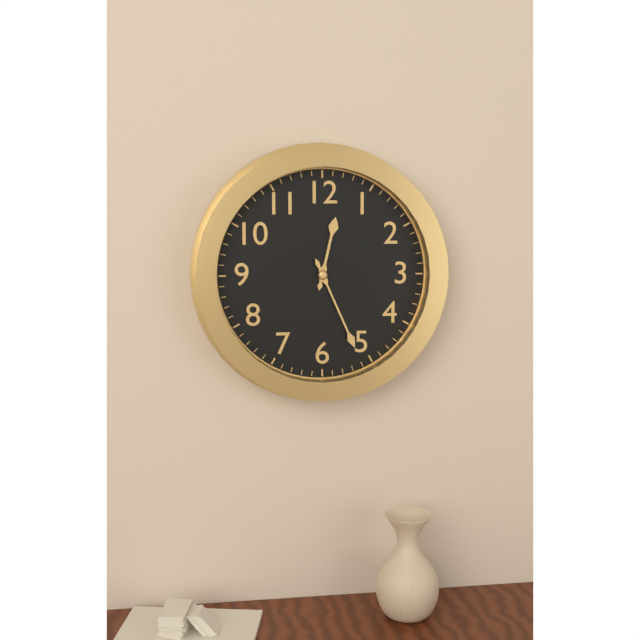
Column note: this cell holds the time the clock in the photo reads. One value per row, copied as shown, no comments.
12:26
